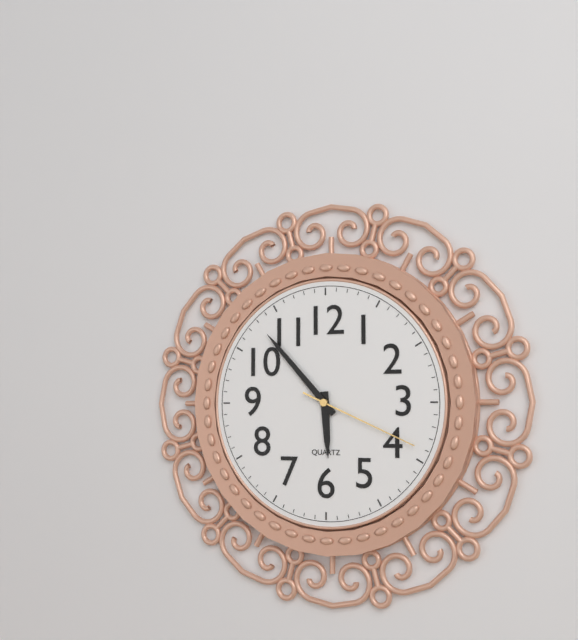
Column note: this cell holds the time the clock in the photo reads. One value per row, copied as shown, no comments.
5:53:19
